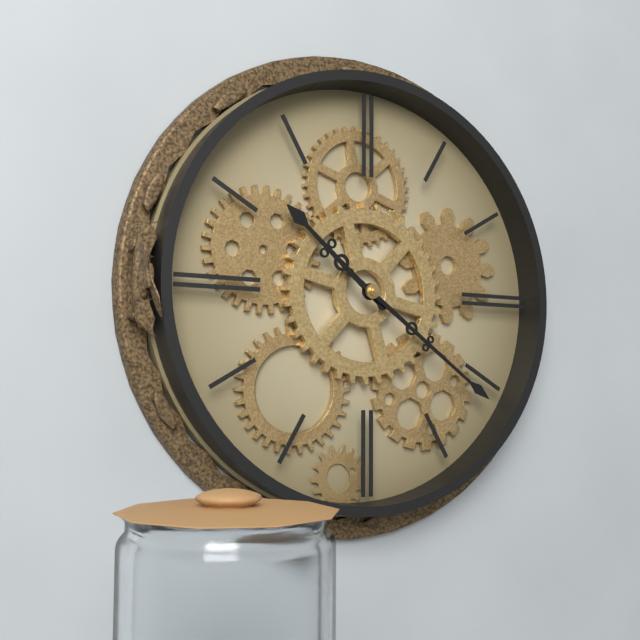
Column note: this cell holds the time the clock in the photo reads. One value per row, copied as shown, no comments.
10:21
